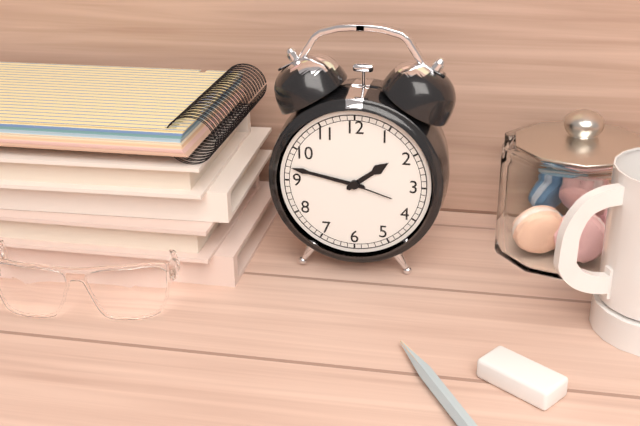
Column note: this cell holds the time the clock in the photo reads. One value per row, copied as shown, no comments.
1:47:18
